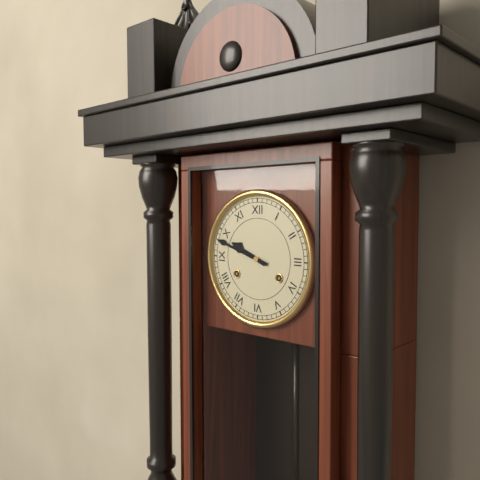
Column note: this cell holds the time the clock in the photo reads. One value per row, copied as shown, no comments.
9:48
